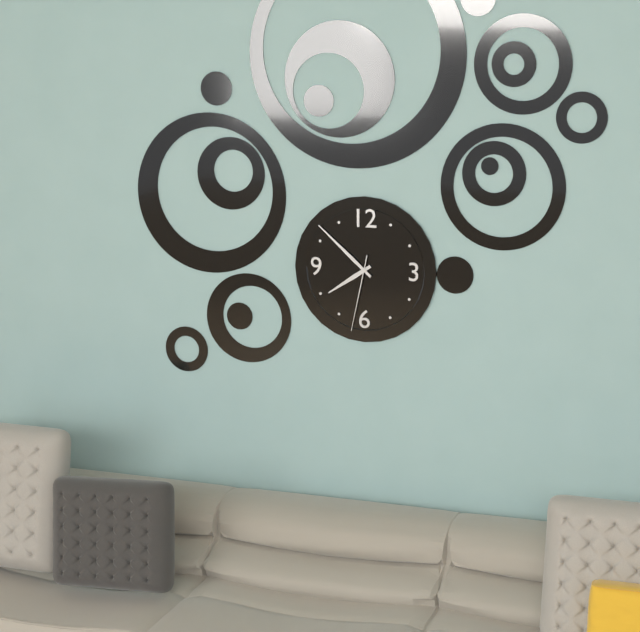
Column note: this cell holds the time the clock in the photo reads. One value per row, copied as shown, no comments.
7:52:32
